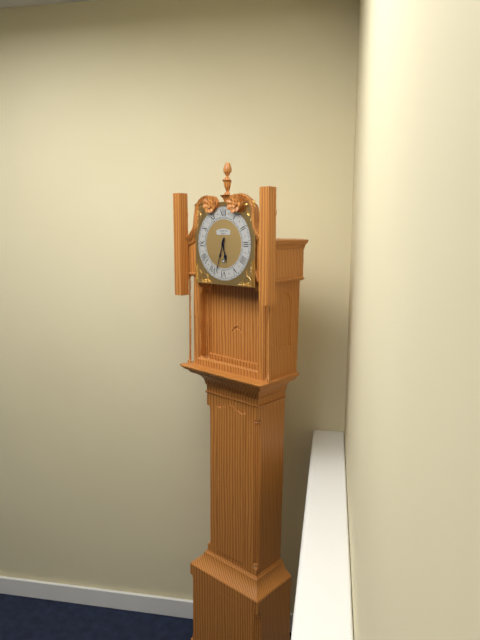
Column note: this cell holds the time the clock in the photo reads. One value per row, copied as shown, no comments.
5:33
